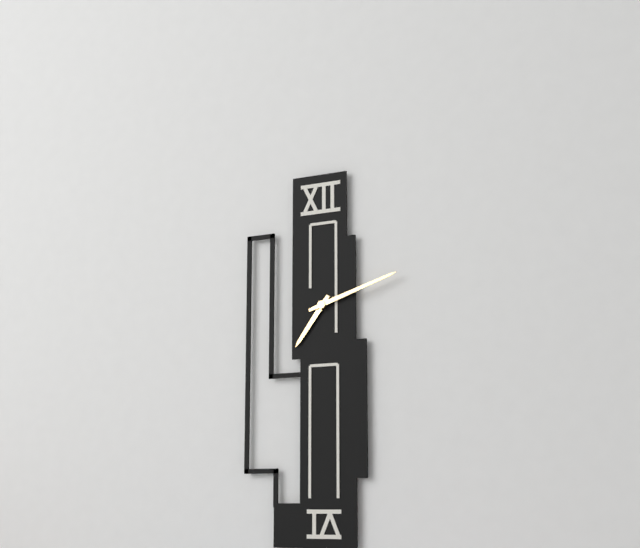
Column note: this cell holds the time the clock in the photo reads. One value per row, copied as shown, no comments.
7:12
